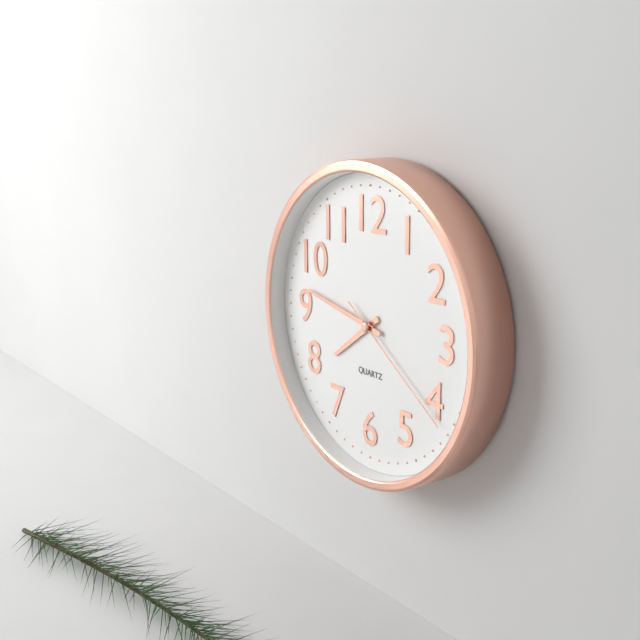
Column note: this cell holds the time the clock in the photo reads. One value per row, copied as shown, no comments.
7:47:21
